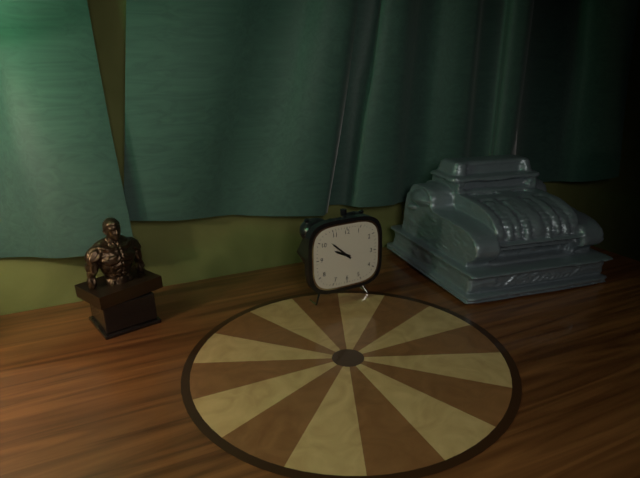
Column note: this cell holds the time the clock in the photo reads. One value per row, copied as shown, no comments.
9:52
